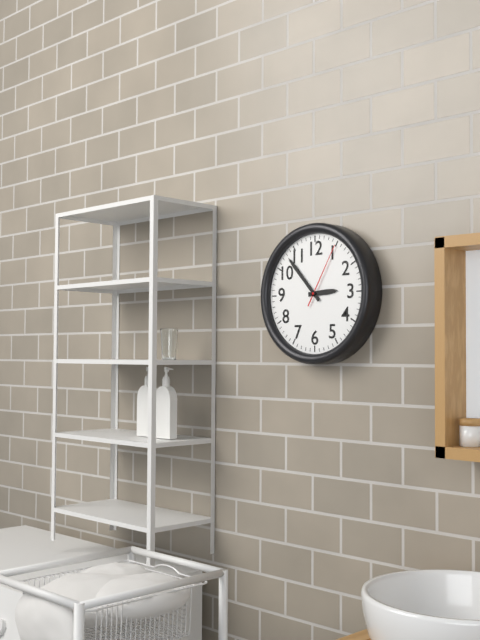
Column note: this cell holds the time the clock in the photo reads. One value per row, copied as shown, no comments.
2:53:05
